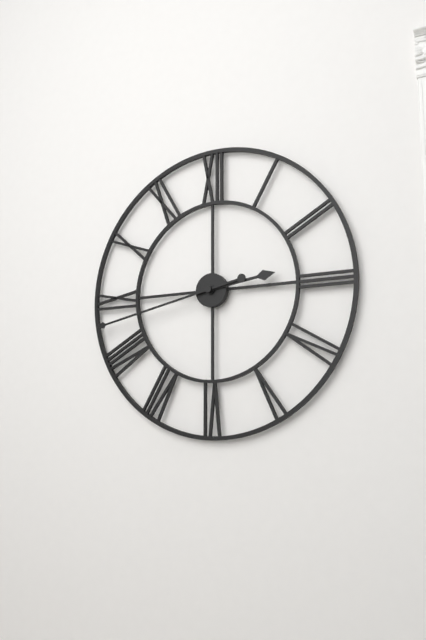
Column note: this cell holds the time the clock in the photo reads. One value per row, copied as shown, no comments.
2:43
